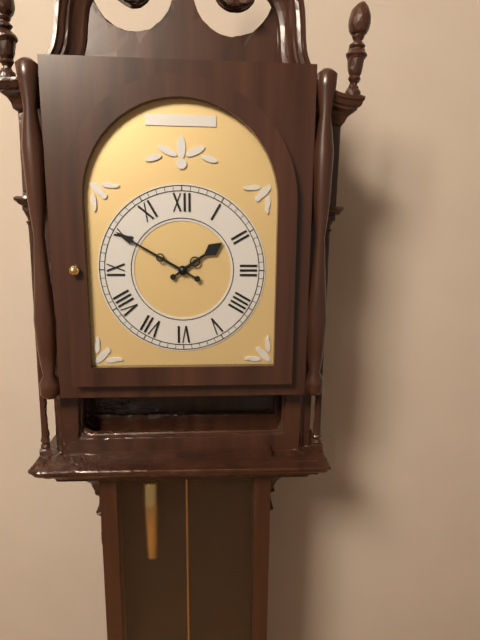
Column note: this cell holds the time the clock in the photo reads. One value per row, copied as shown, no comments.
1:50
